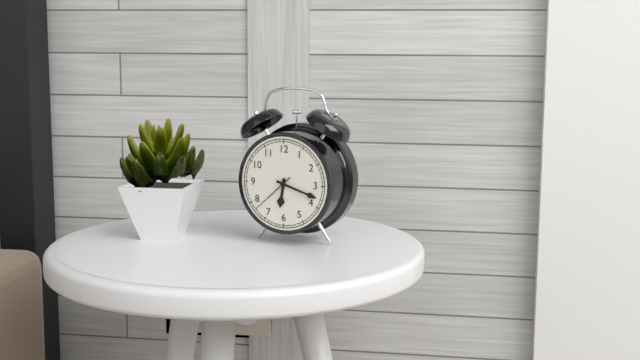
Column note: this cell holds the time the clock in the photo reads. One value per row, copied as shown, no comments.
6:18
